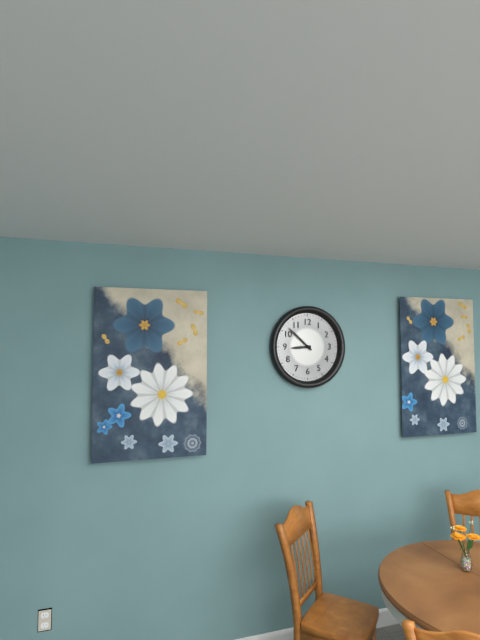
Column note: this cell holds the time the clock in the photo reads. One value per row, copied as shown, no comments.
8:52
